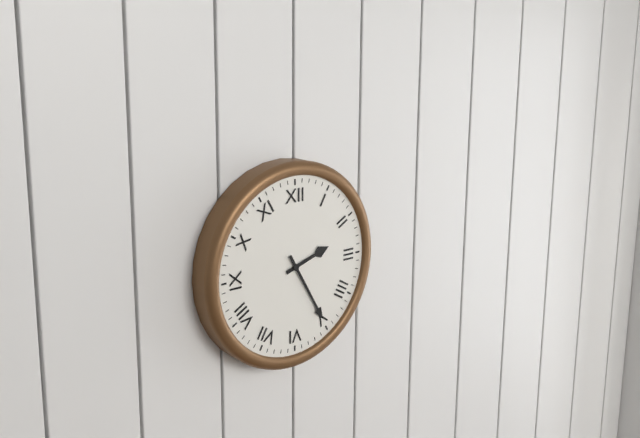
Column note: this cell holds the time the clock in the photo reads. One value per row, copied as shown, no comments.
2:25
